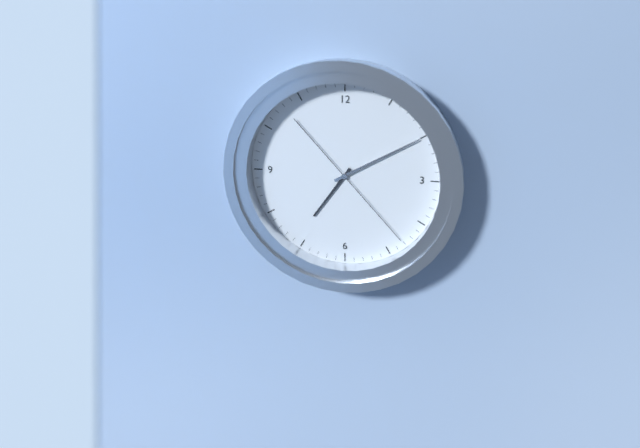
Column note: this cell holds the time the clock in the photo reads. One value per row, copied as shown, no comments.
7:10:23
